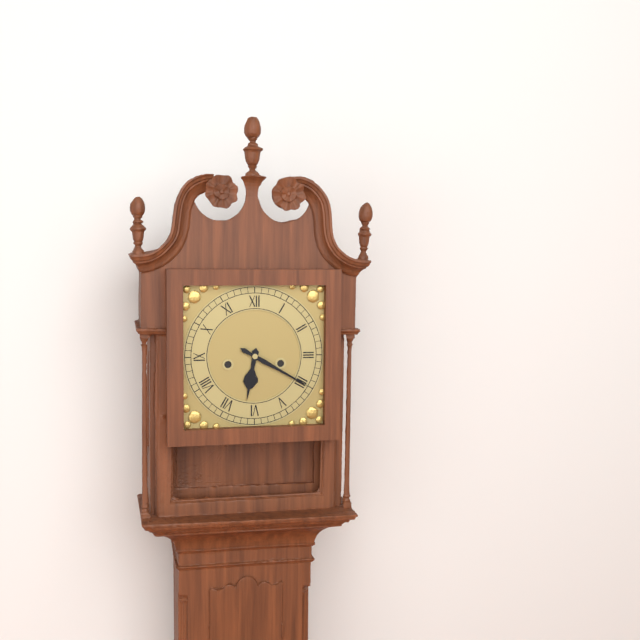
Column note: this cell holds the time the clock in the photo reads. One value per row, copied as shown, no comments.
6:20
